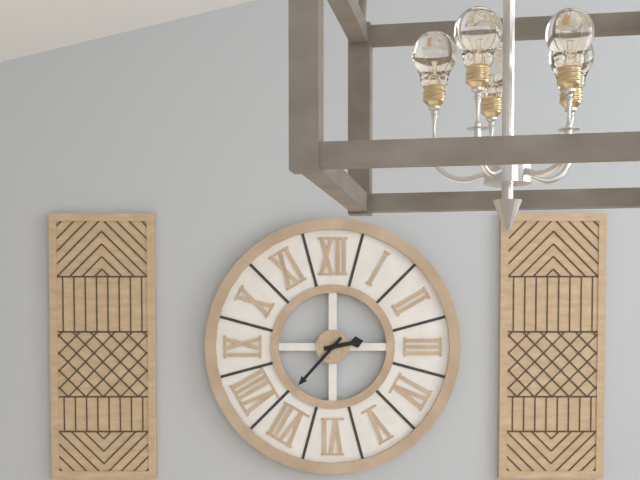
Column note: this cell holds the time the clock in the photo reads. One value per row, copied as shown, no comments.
2:37
